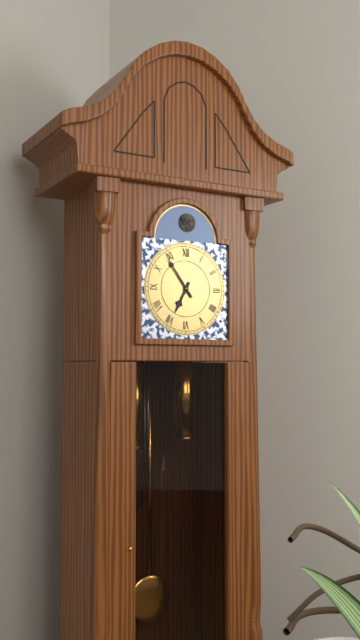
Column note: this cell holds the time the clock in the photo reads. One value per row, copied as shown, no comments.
6:54
